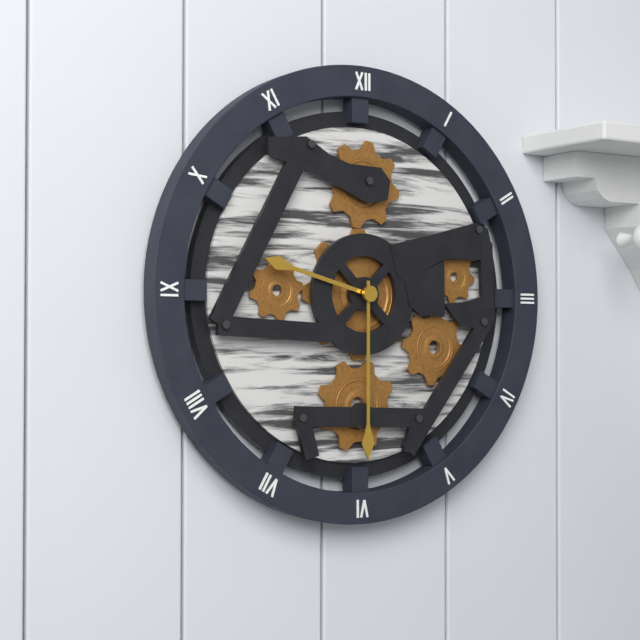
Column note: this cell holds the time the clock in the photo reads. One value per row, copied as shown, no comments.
9:30
